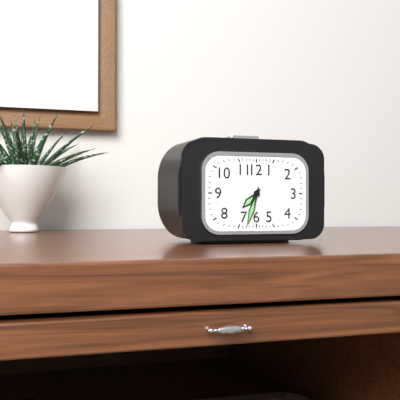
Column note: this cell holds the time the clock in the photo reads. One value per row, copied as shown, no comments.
7:33
